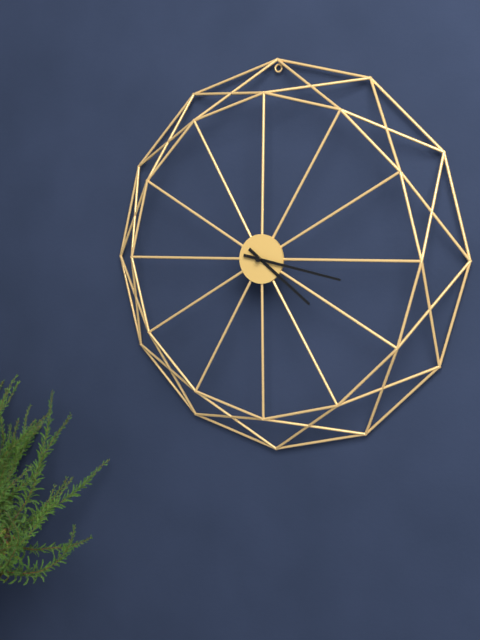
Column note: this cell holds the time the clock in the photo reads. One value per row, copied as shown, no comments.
4:17
